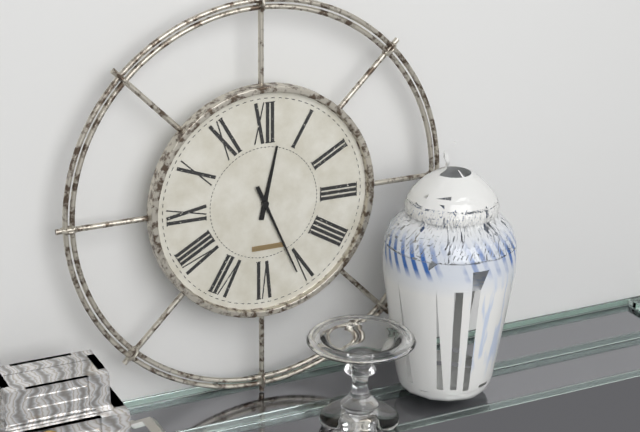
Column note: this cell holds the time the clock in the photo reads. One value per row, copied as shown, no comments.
12:26
